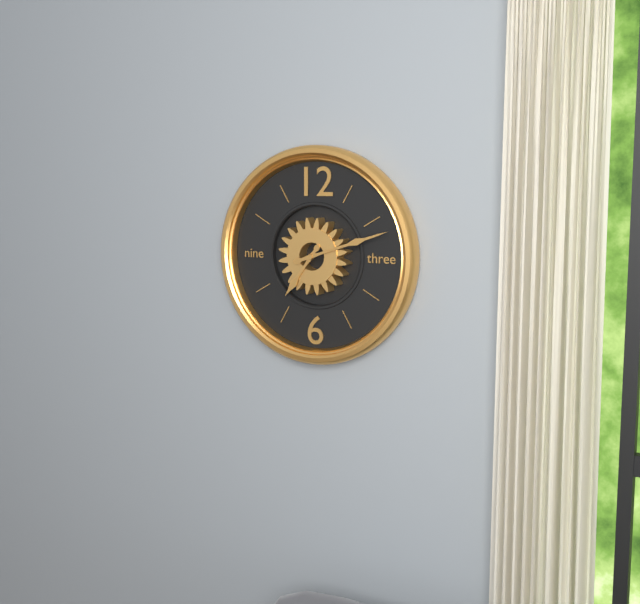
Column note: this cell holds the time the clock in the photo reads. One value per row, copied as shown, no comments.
7:12
